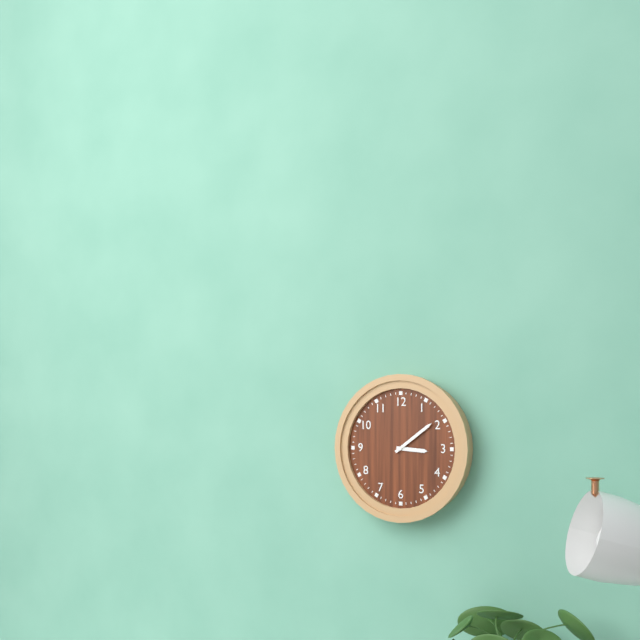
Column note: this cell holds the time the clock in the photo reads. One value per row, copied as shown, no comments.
3:09
